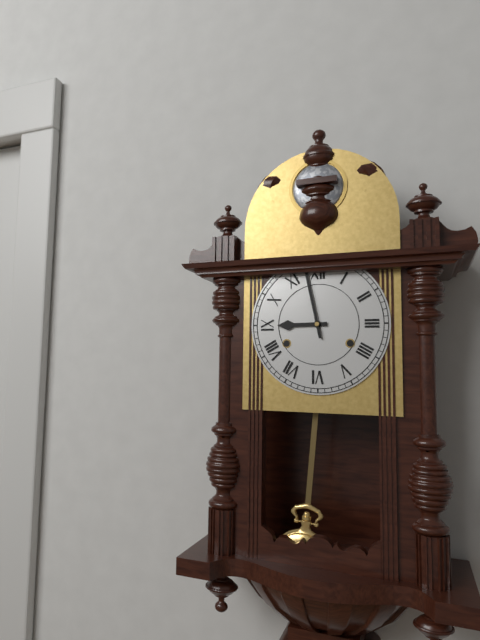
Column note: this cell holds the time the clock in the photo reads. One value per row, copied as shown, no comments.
8:58
